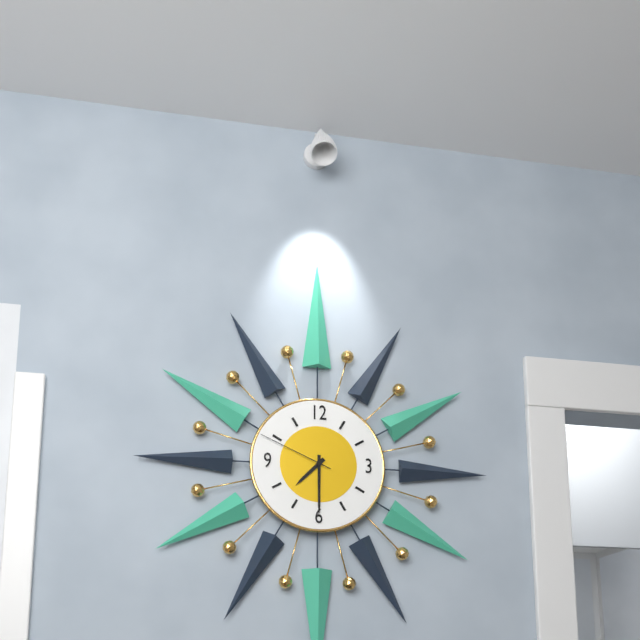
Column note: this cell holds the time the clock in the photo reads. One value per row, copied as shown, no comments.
7:30:49
